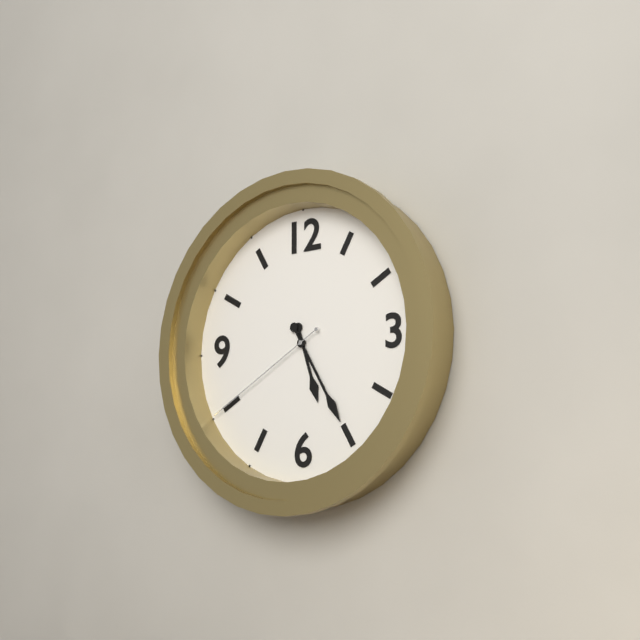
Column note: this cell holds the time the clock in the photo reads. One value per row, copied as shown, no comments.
5:25:40
